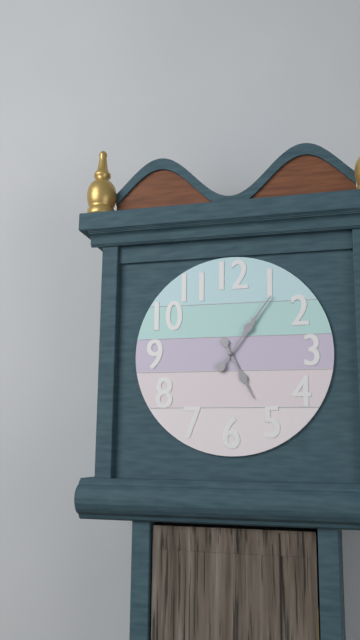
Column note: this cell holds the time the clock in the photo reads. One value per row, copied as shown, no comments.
5:06
